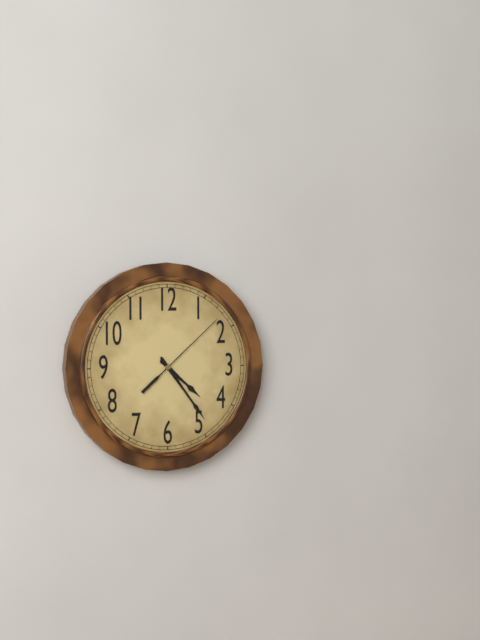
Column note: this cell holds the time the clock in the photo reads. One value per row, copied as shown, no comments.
4:24:08
